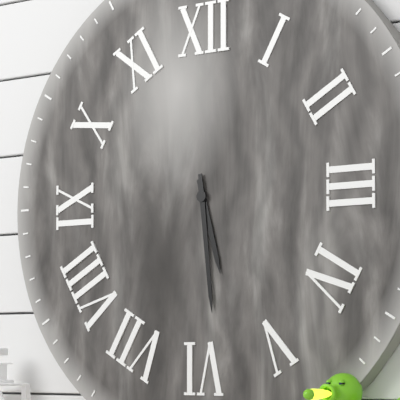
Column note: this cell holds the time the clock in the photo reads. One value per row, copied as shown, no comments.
5:29
